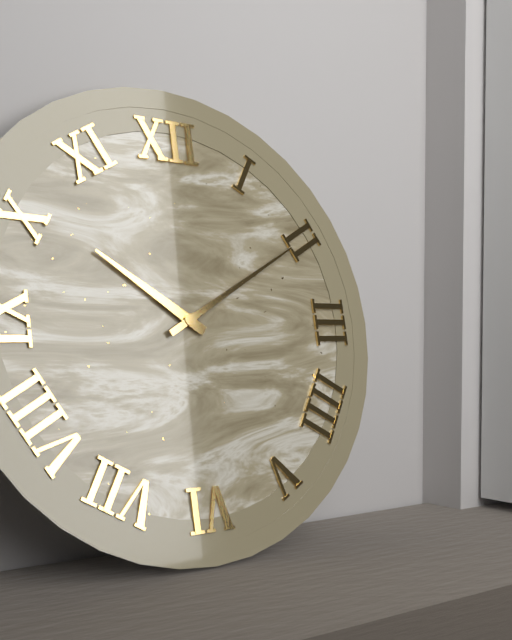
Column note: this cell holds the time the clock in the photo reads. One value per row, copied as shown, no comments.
10:10
